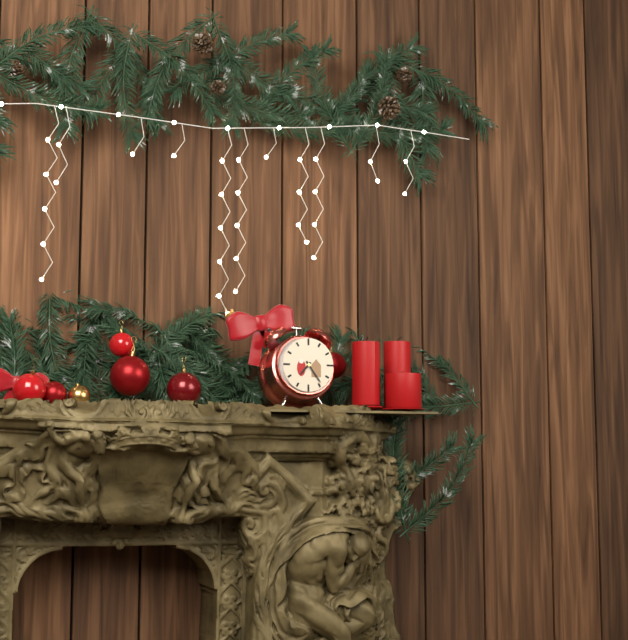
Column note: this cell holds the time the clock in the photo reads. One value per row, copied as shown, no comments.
7:24
